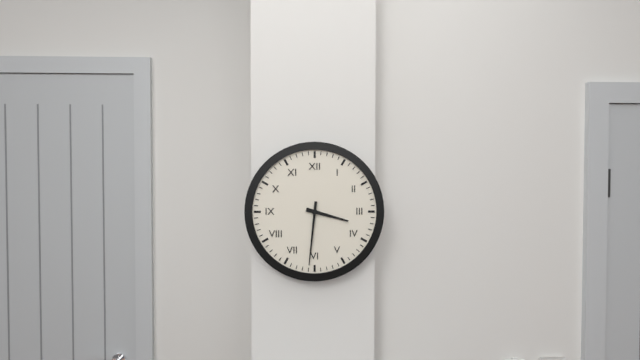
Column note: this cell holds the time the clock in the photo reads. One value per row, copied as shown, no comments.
3:31
